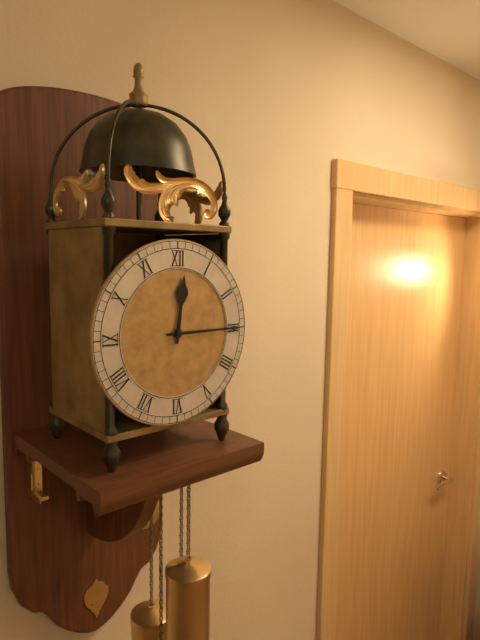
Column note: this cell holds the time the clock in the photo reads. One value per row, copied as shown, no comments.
12:15
